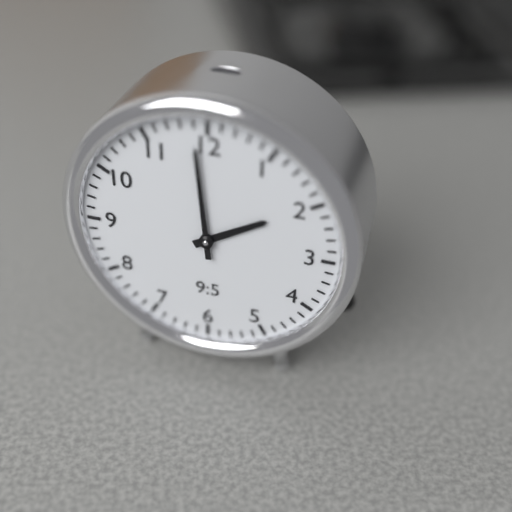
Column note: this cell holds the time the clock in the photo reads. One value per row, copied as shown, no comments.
1:59
